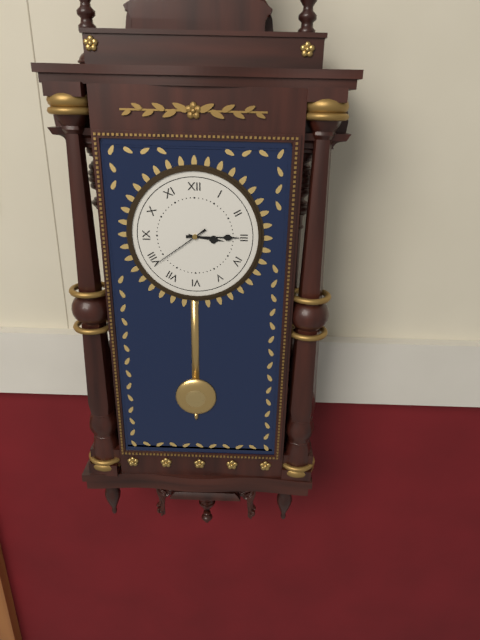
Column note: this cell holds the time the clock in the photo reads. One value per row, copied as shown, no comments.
3:15:39
